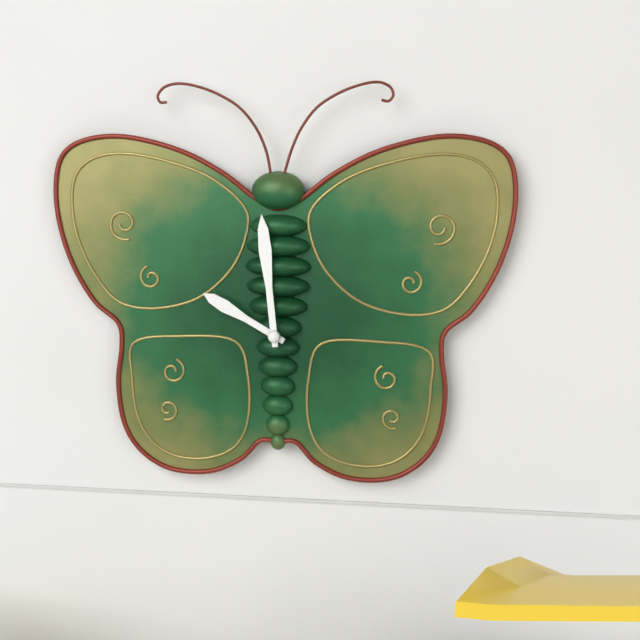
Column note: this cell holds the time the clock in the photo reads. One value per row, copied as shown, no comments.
9:59
